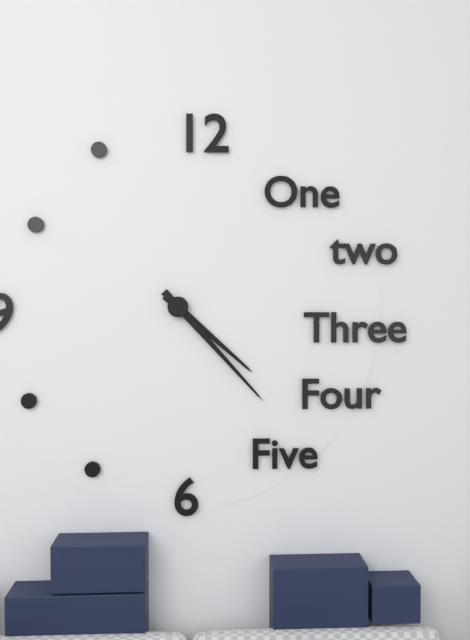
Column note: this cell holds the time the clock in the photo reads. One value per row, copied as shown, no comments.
4:23
